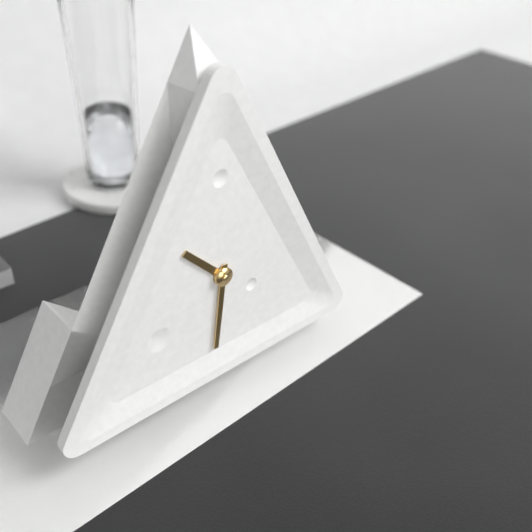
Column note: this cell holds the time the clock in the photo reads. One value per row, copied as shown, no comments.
10:31
